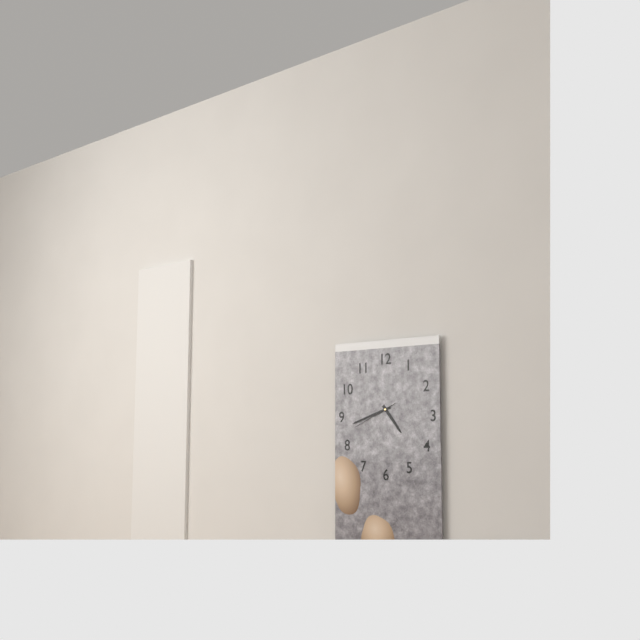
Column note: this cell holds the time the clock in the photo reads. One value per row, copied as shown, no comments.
4:42
